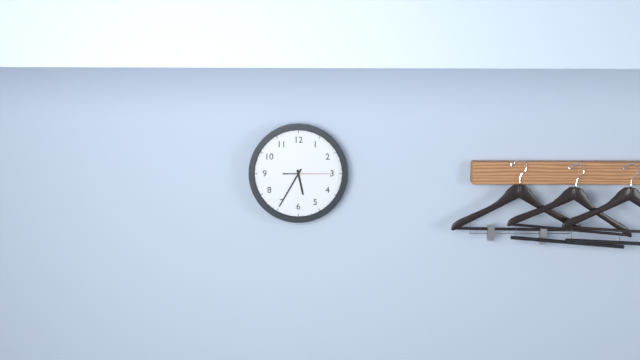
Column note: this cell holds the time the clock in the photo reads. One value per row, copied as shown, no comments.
5:35
